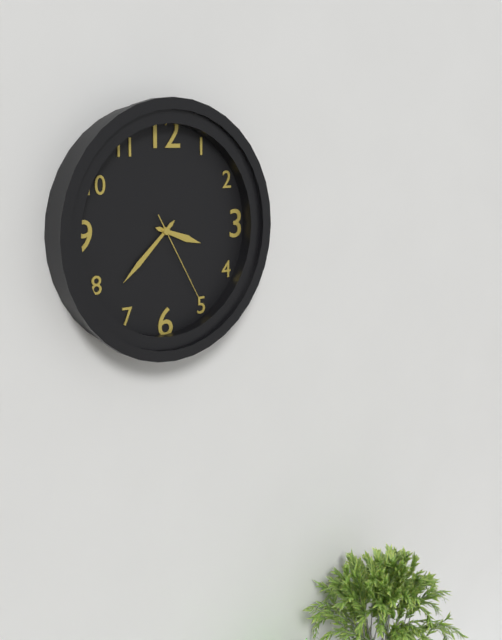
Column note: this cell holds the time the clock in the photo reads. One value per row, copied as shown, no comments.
3:38:25
